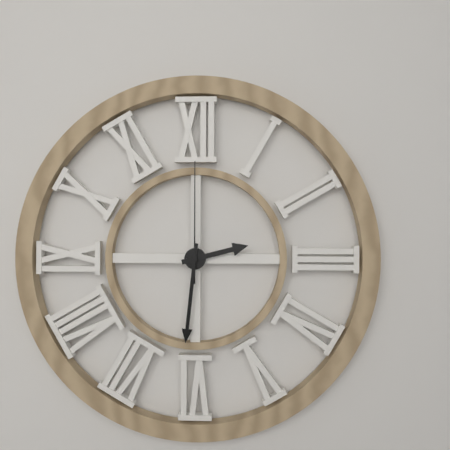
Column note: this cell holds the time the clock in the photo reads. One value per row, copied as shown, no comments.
2:31:00
